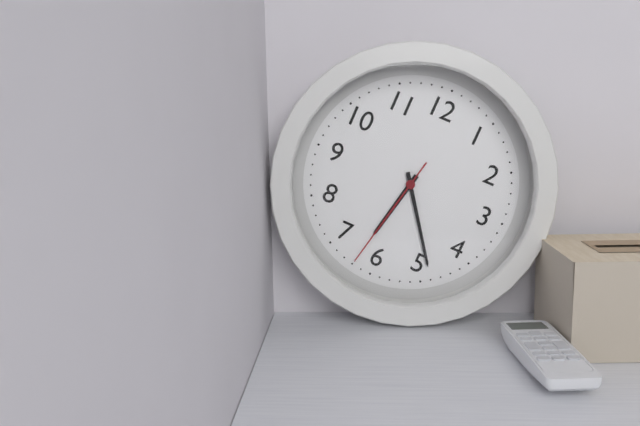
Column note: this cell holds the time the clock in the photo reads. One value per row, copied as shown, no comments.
6:24:32
